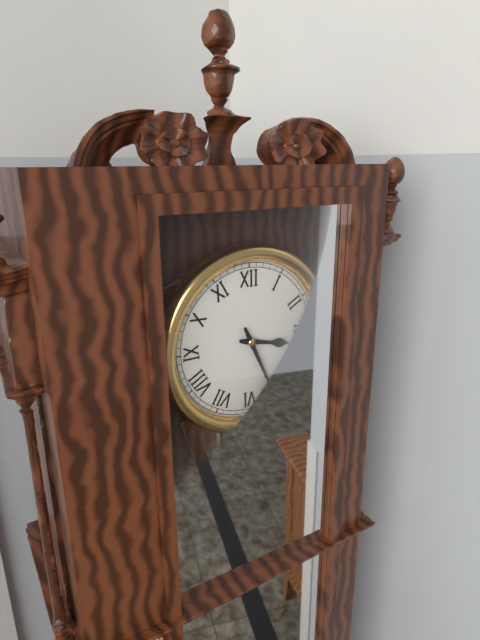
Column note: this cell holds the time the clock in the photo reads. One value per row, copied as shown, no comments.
3:26
